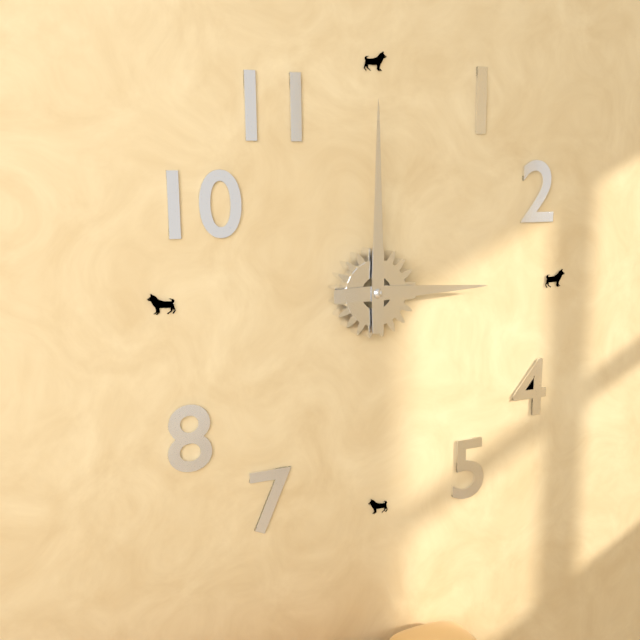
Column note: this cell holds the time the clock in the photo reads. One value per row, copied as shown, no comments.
3:00
